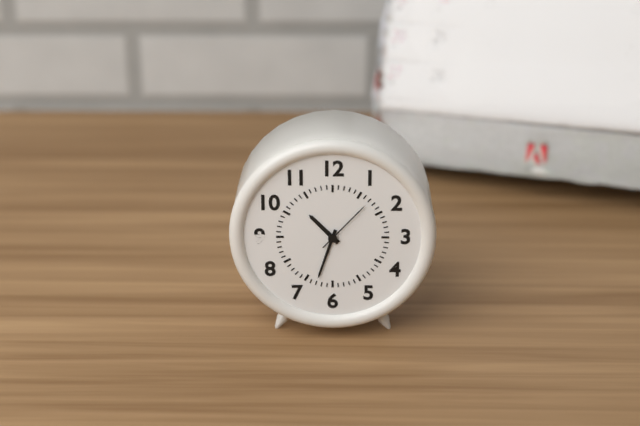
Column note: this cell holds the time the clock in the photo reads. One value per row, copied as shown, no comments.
10:33:07
